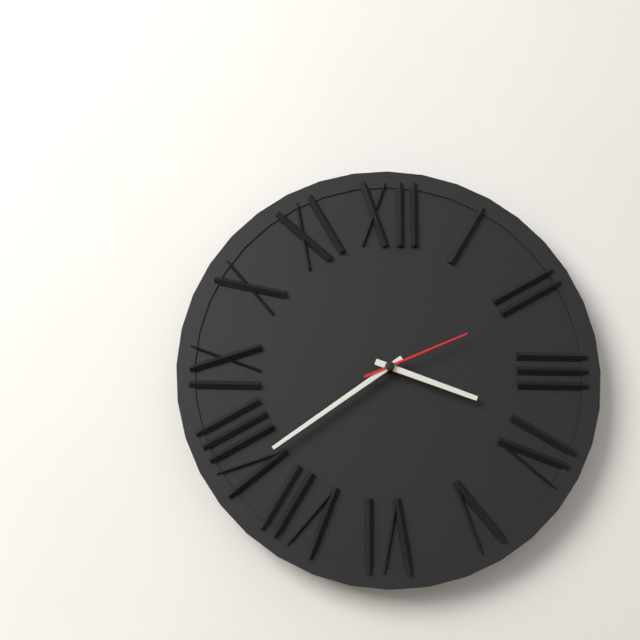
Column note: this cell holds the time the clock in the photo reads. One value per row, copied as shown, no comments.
3:39:11
